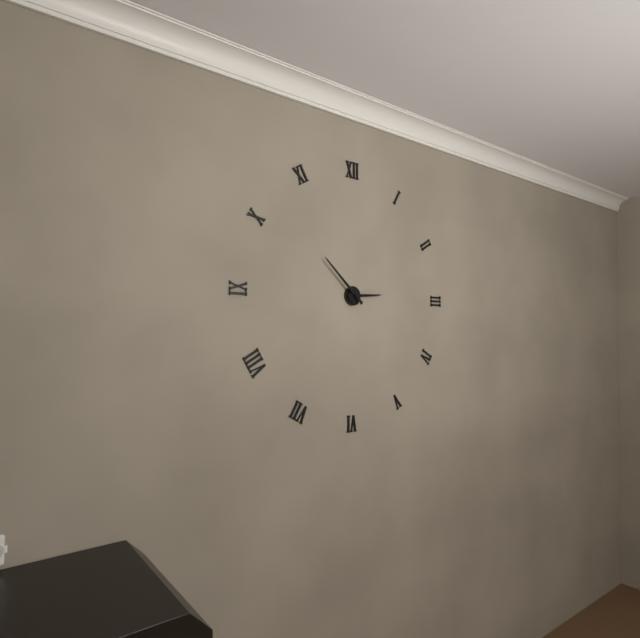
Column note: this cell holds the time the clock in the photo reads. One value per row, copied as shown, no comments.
2:52
